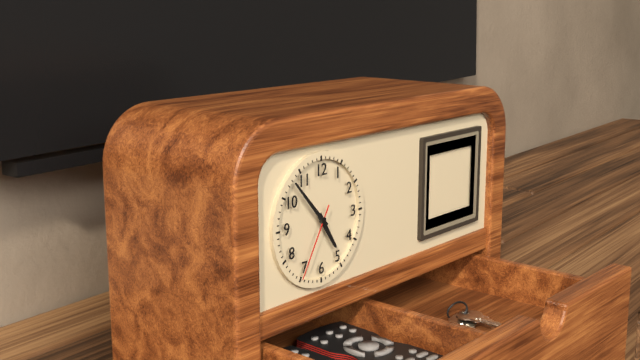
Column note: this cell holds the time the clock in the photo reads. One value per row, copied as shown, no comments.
4:53:35
